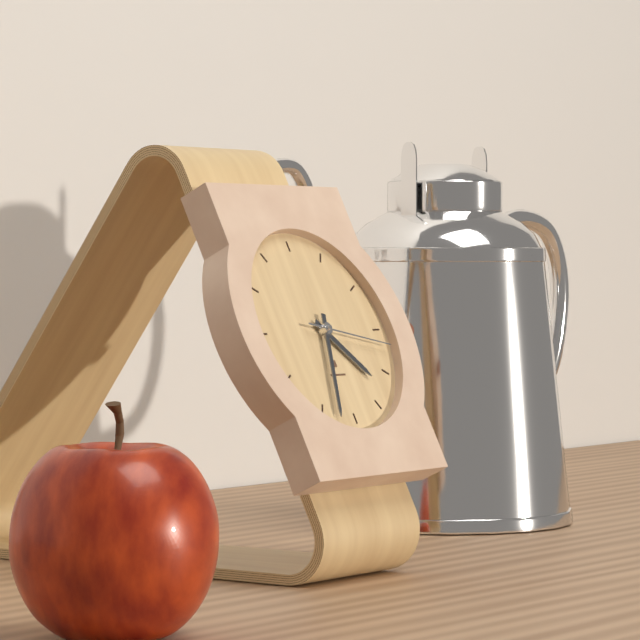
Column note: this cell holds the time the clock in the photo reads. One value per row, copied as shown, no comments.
4:33:17
